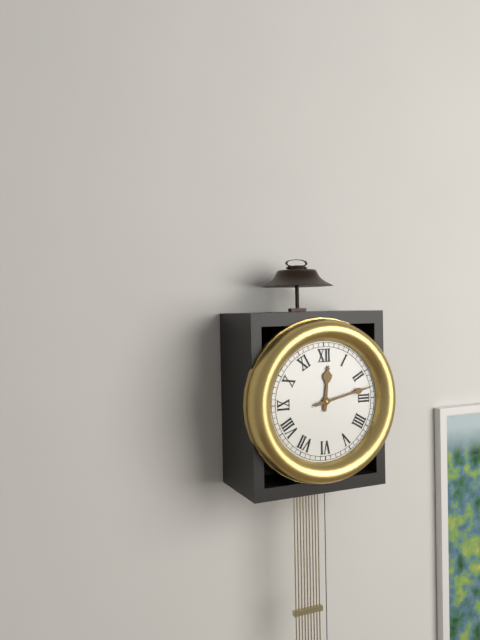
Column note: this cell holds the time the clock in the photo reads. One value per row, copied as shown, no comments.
12:13
